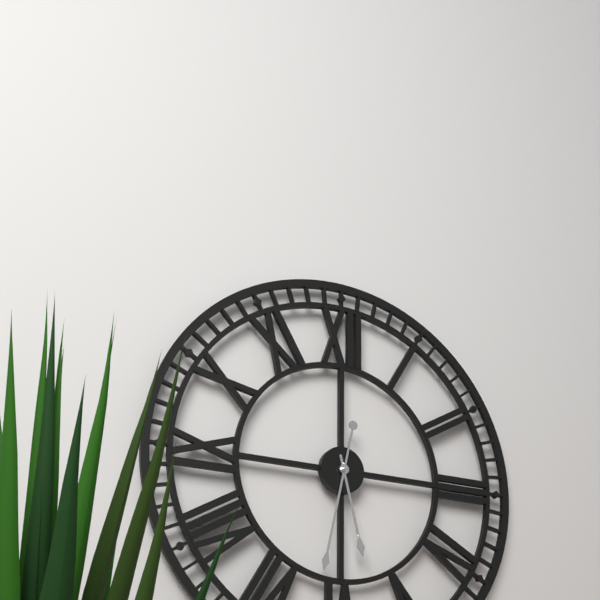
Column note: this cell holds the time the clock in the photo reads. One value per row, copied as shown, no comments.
5:32
